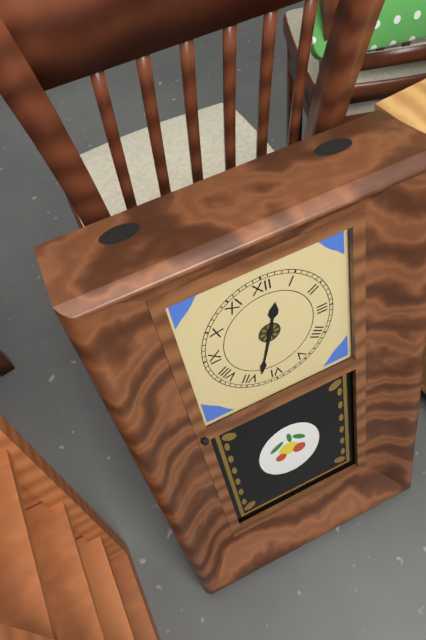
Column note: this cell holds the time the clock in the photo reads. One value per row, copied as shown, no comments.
12:33
